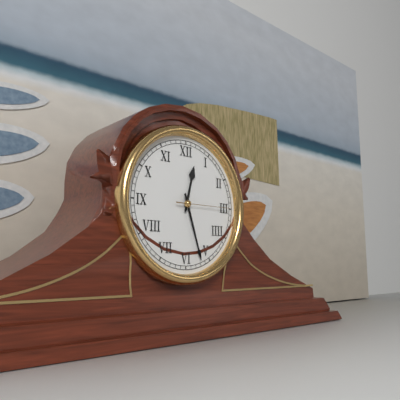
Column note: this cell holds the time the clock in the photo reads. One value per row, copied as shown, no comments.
12:27:15
